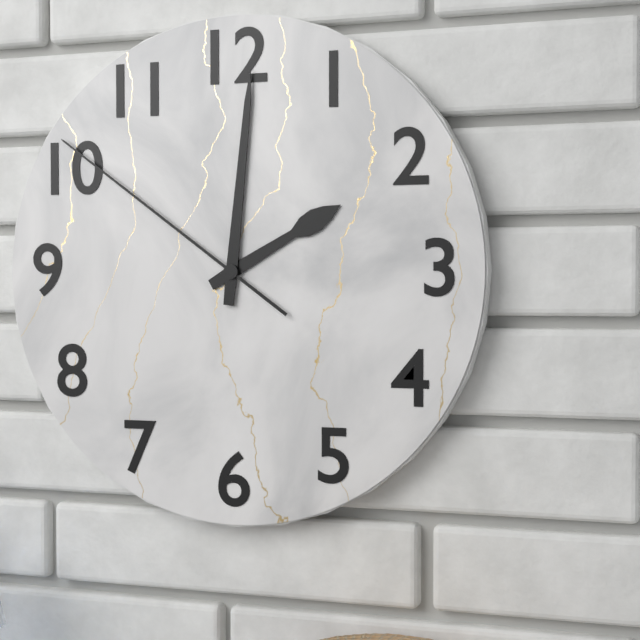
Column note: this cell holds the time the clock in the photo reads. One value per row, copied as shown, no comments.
2:01:51
